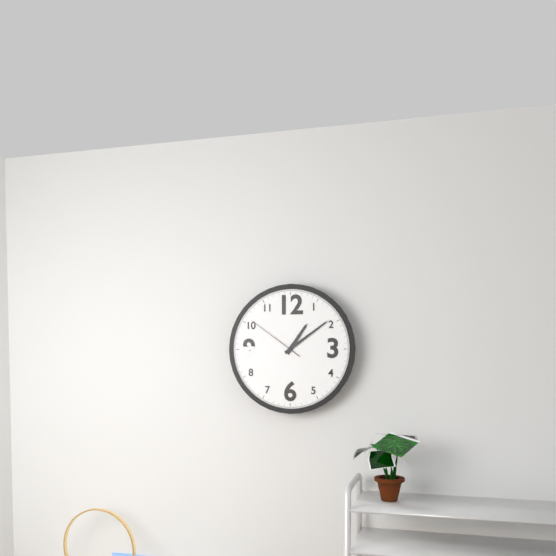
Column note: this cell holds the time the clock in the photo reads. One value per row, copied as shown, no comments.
1:09:51
